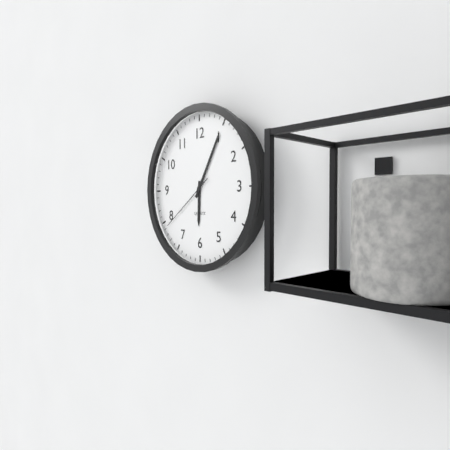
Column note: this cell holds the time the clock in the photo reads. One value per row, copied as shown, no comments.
6:05:39
